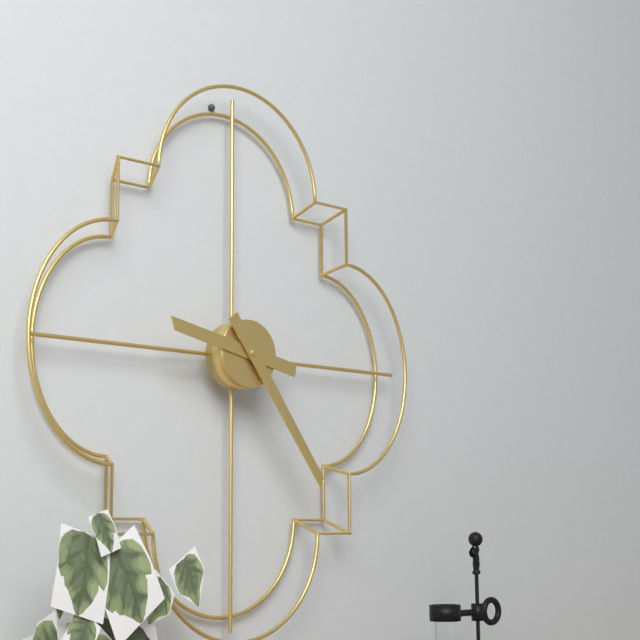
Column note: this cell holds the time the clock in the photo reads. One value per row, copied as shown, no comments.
9:24
